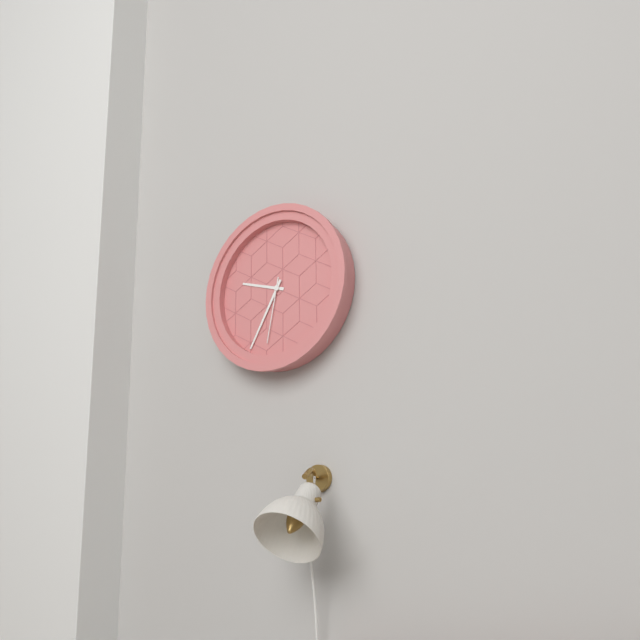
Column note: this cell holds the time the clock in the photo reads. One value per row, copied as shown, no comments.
9:35:32
